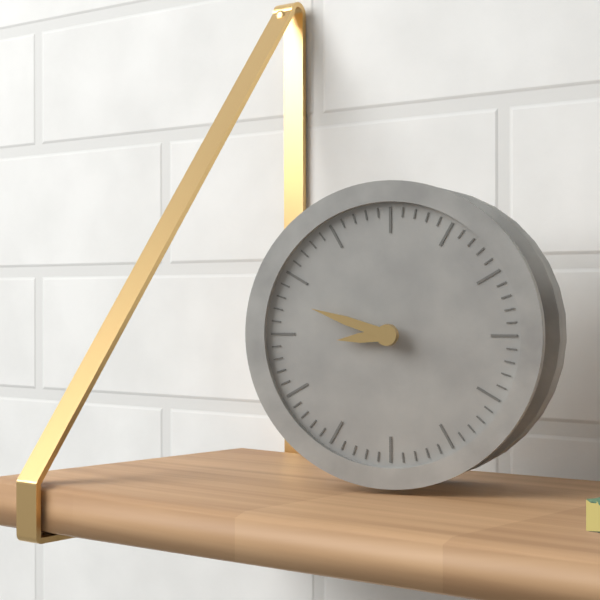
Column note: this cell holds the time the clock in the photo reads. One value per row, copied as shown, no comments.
8:48
